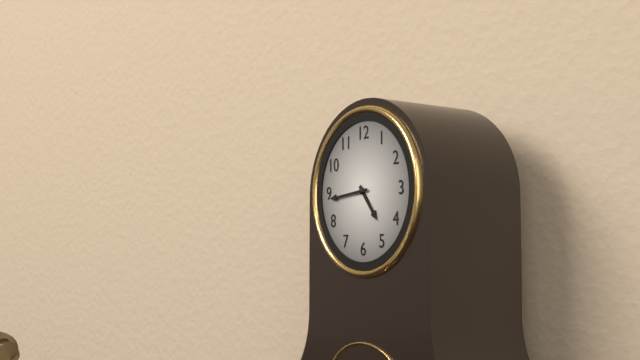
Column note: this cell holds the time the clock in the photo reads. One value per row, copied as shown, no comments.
4:44
